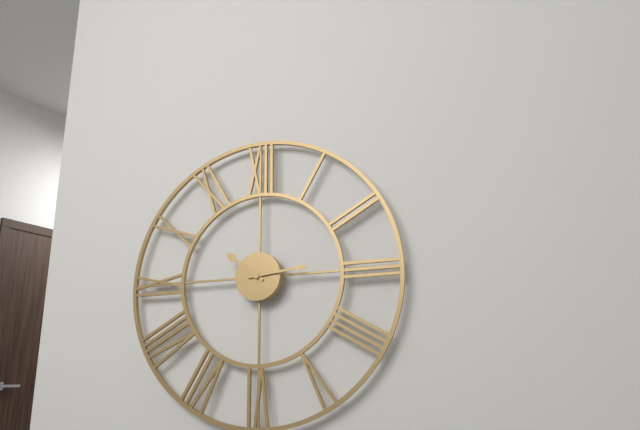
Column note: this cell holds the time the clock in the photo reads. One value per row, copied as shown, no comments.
10:14
